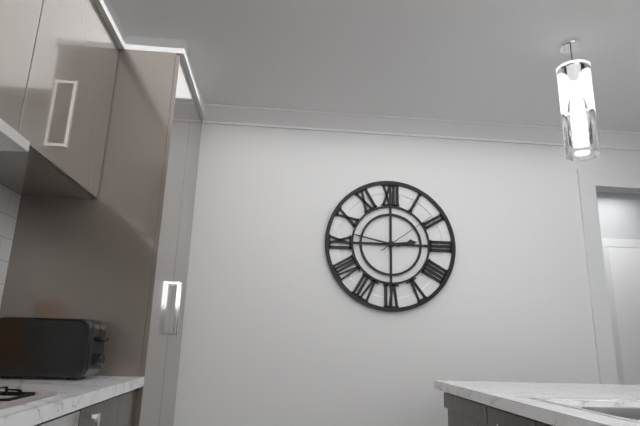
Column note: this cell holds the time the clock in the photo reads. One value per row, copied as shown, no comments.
2:47:09
